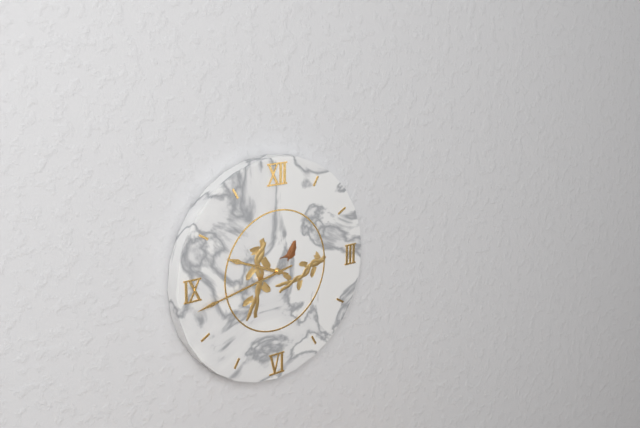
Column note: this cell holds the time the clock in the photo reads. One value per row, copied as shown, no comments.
9:43
